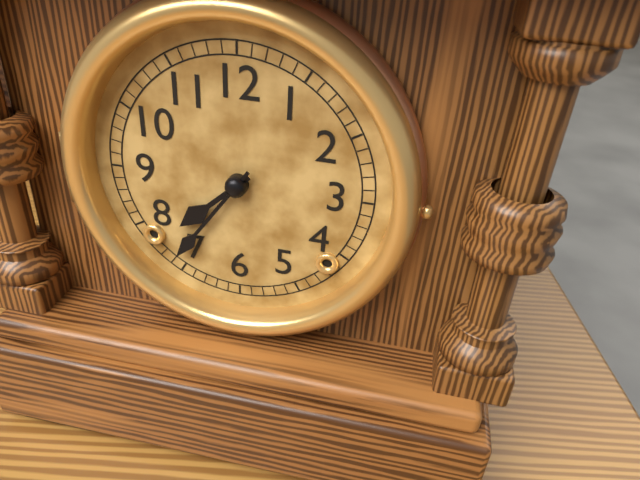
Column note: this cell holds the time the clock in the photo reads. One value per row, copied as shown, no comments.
7:36
